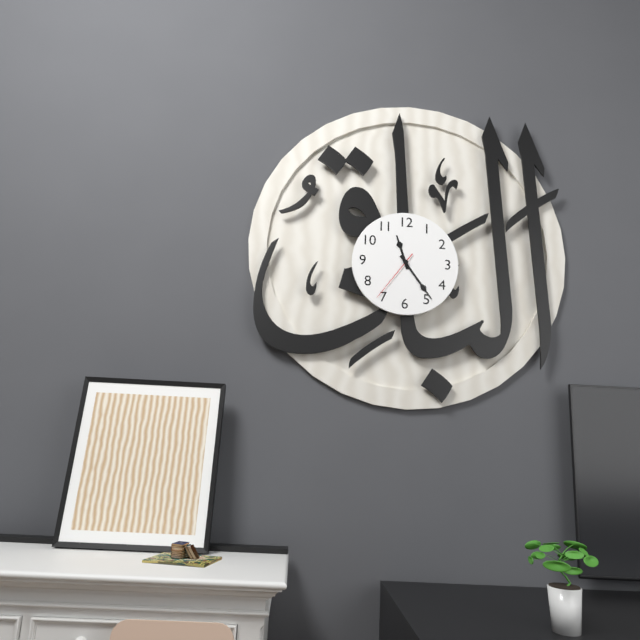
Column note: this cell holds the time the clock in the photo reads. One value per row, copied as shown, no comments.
11:24:36
